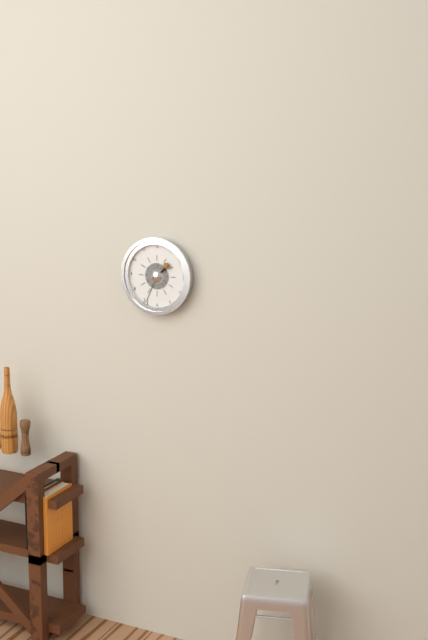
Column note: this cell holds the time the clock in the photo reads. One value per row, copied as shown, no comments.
1:34
